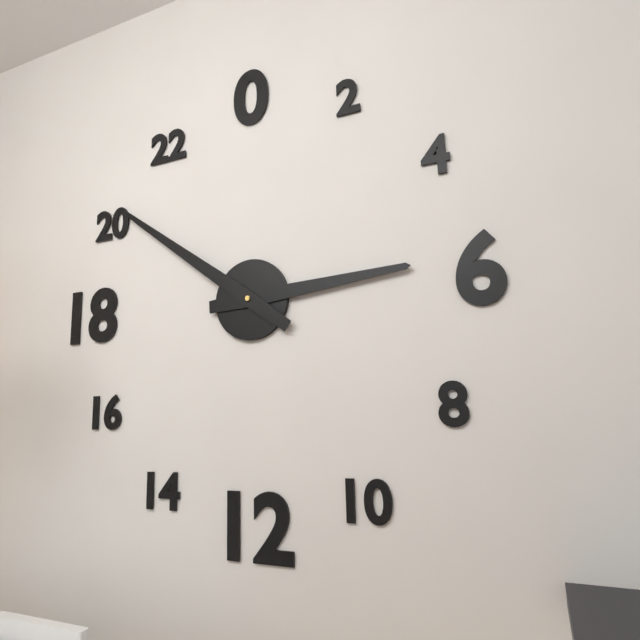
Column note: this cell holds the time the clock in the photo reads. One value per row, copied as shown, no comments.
2:51
